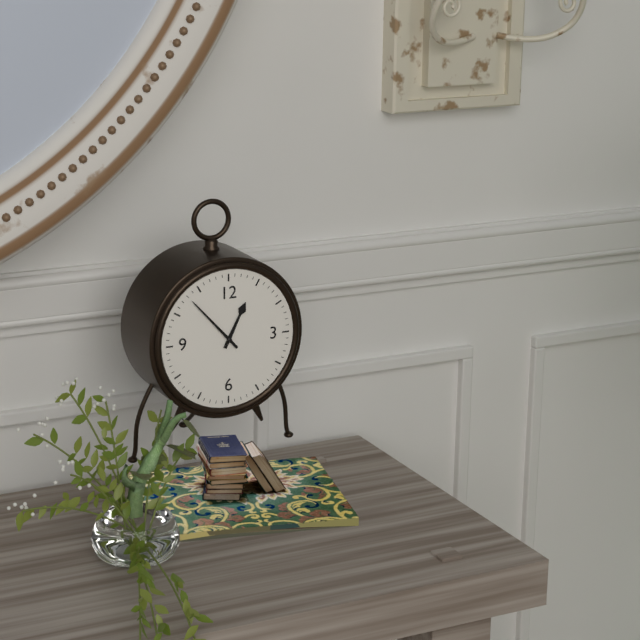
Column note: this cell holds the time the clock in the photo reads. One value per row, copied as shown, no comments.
12:53
